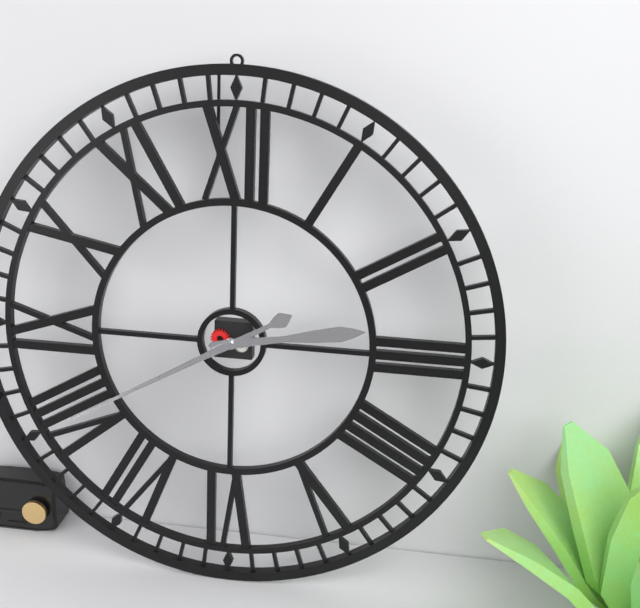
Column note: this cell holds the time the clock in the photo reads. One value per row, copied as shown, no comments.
2:40
